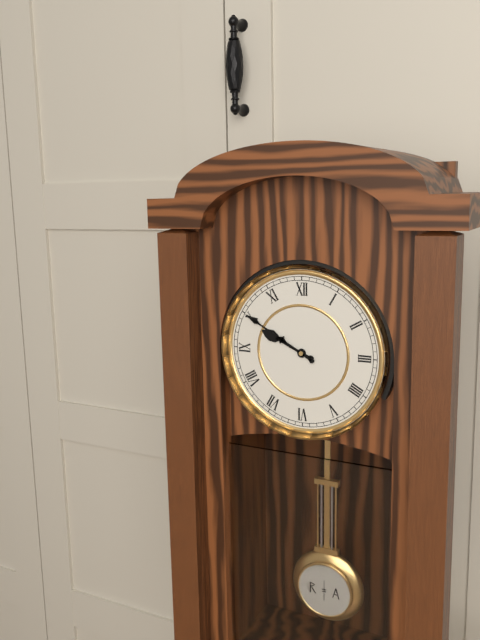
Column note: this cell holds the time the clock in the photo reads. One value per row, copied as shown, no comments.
9:50
